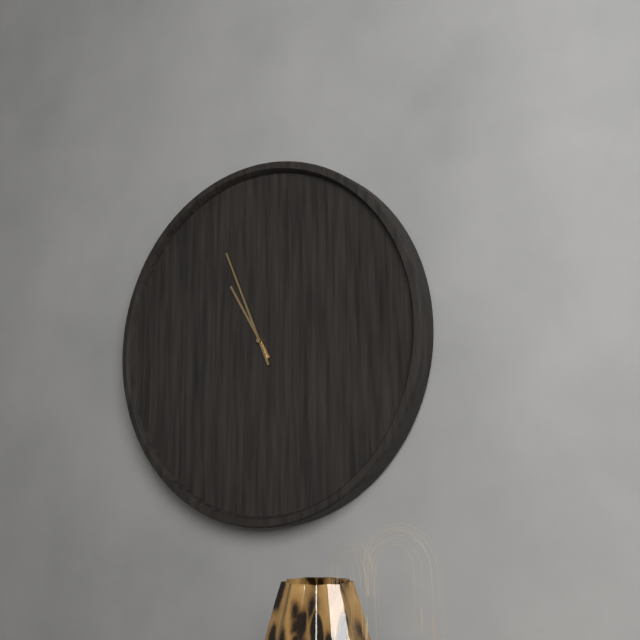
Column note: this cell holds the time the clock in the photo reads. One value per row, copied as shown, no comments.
10:56
